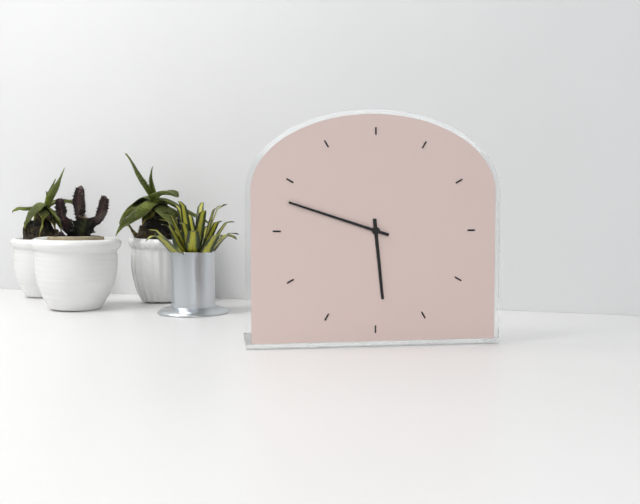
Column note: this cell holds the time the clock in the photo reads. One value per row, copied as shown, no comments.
5:48
